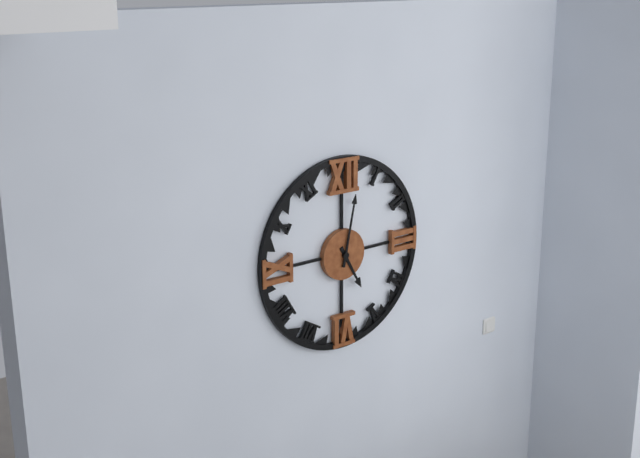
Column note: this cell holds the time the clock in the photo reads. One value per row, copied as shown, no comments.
5:02
